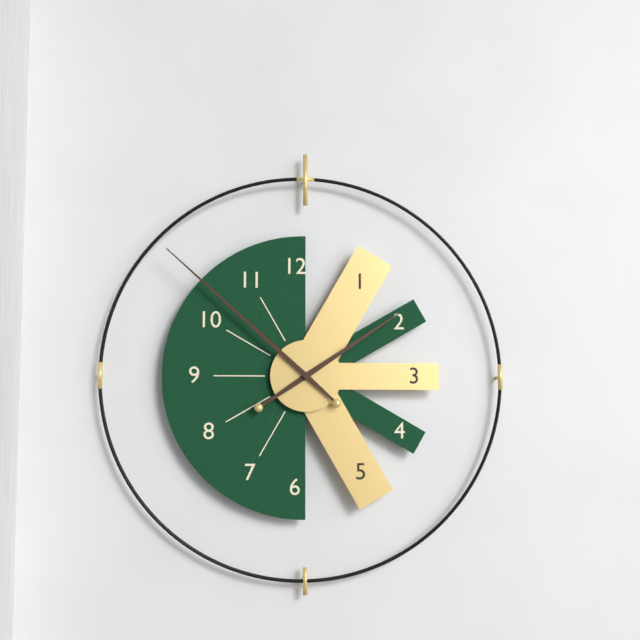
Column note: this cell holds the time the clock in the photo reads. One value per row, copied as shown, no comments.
1:52
